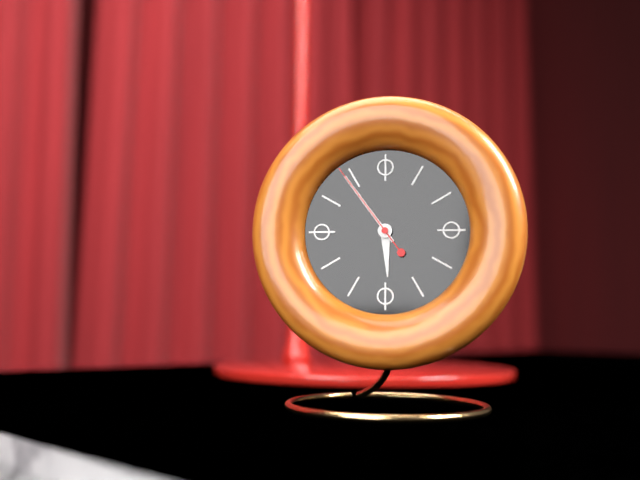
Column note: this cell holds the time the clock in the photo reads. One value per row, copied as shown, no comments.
5:54:54
